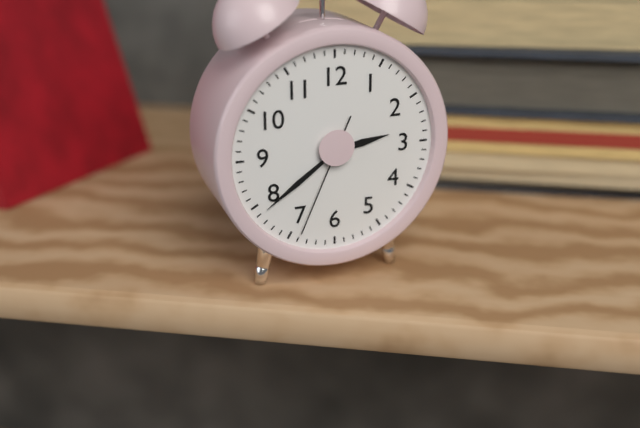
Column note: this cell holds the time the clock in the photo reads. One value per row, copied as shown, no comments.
2:39:34
